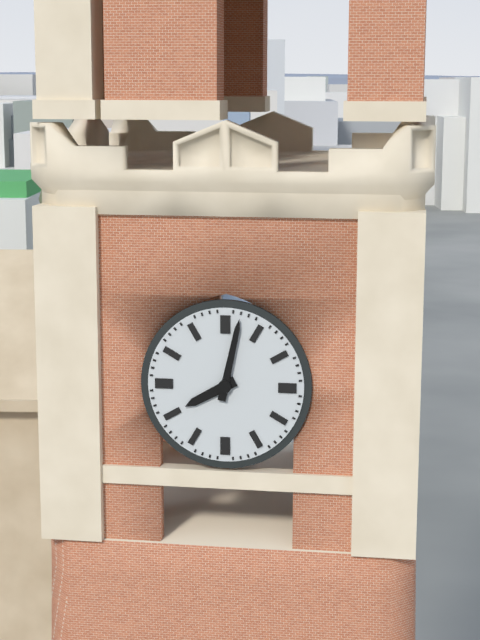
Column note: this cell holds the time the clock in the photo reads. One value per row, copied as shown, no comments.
8:02
